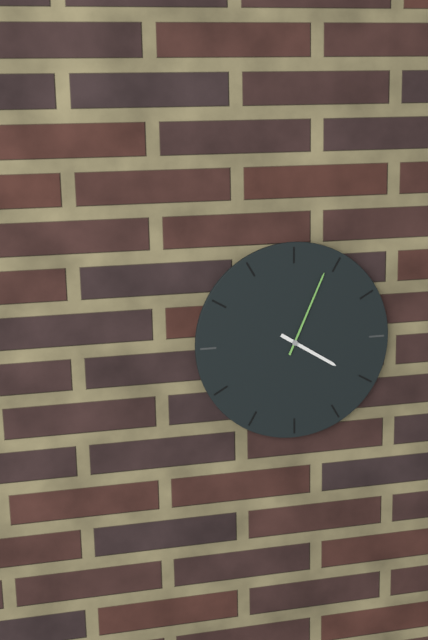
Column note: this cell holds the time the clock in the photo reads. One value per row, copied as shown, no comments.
4:04
